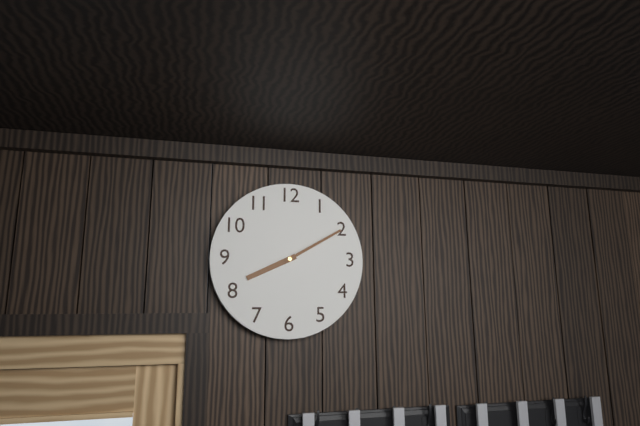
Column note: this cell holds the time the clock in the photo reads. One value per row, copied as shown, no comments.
8:10
